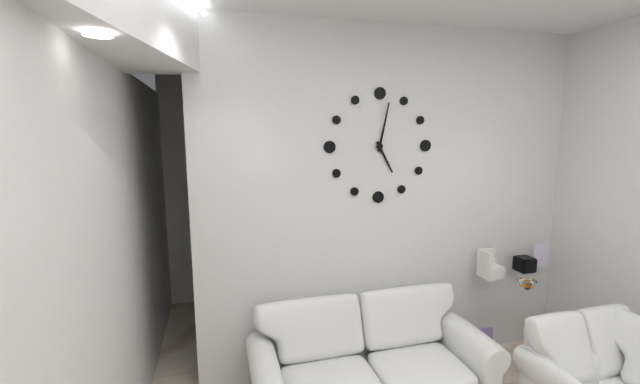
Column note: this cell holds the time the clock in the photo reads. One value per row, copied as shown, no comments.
5:02
